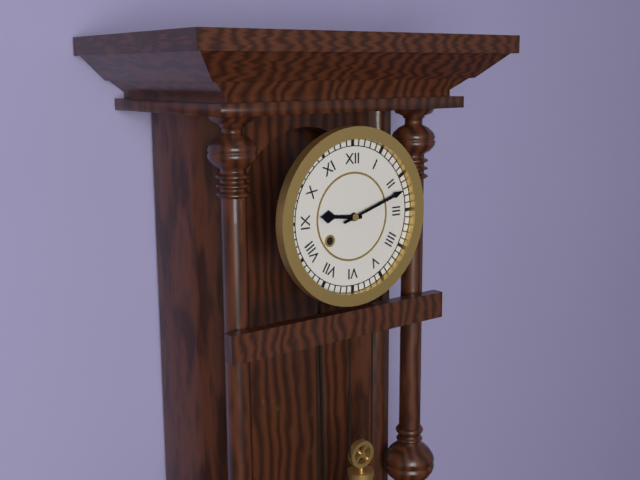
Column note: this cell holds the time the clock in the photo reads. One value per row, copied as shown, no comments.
9:12
